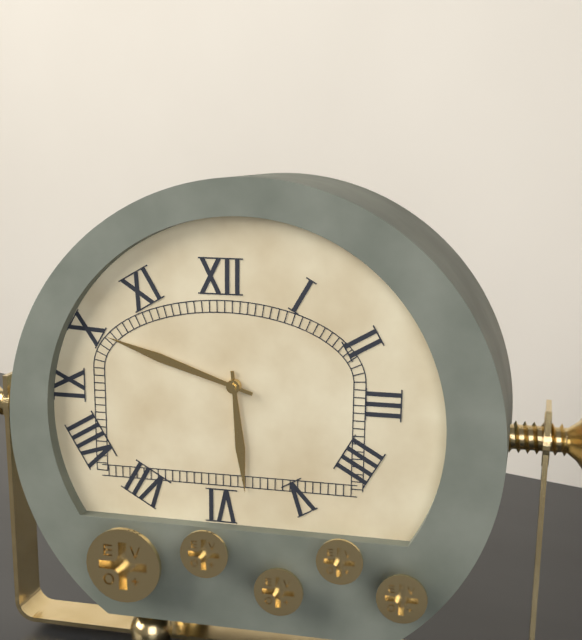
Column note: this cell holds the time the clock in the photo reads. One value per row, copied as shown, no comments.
5:48
